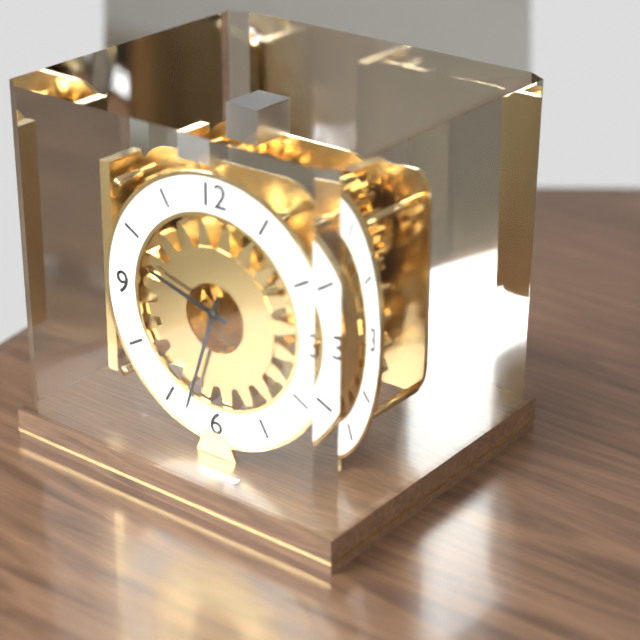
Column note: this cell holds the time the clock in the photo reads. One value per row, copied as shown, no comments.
9:33
